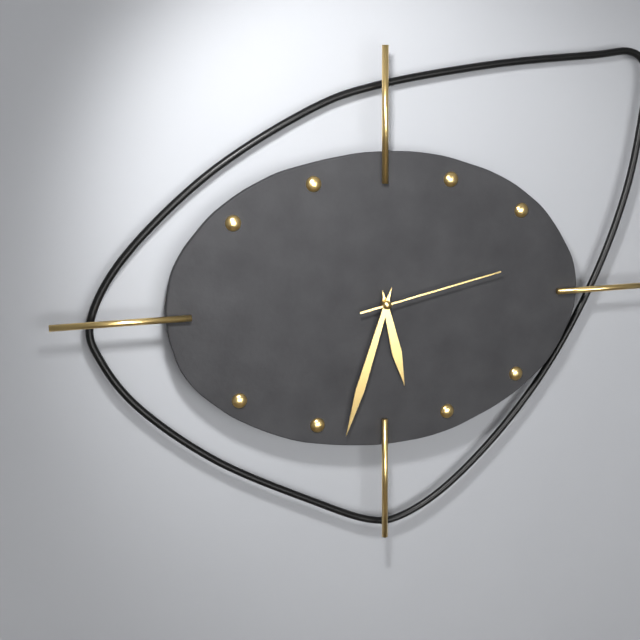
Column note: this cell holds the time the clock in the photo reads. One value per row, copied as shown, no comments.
5:33:13
